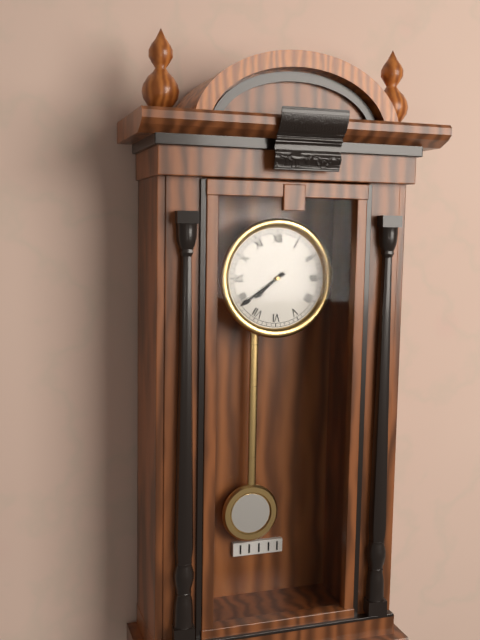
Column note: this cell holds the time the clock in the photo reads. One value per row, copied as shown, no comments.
7:39
